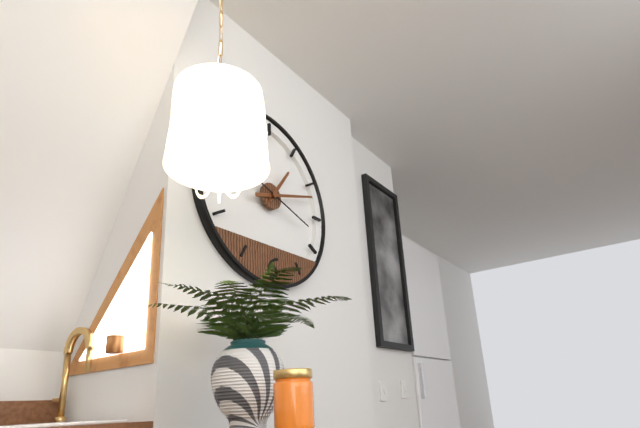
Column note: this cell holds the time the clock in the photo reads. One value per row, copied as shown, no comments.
1:12
